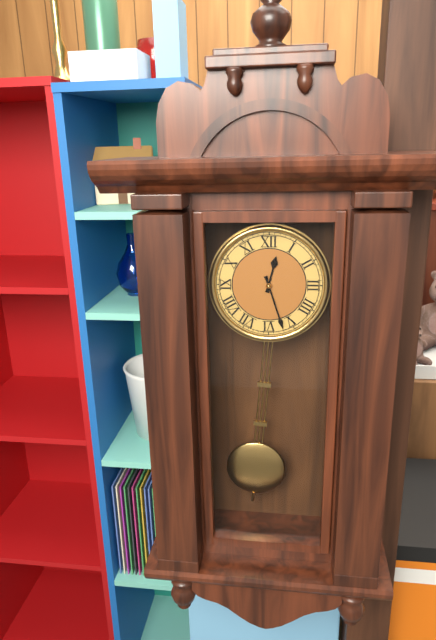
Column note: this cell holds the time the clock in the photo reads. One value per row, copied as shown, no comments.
12:27
